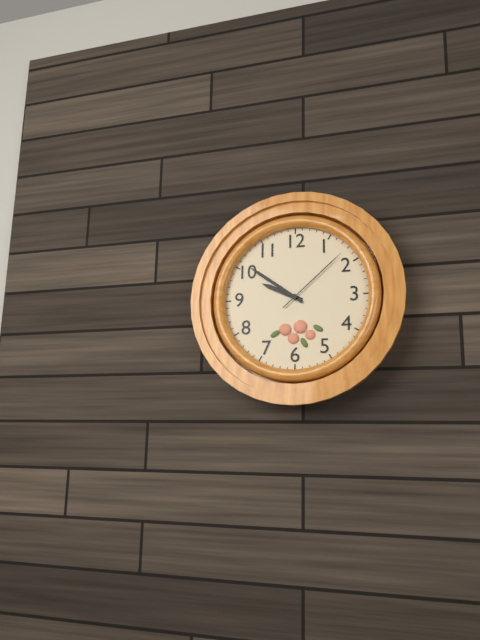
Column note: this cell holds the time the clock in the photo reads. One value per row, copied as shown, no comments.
9:51:08
